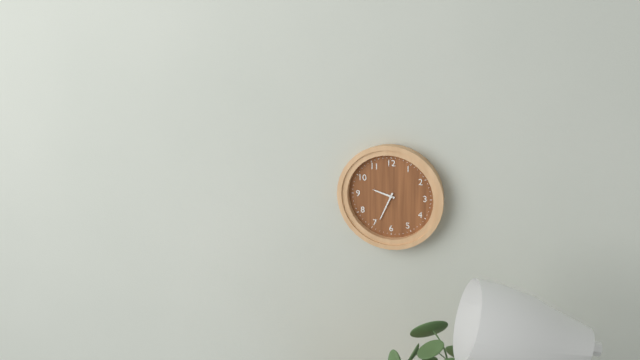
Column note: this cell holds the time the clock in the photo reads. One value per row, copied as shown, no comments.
9:34
